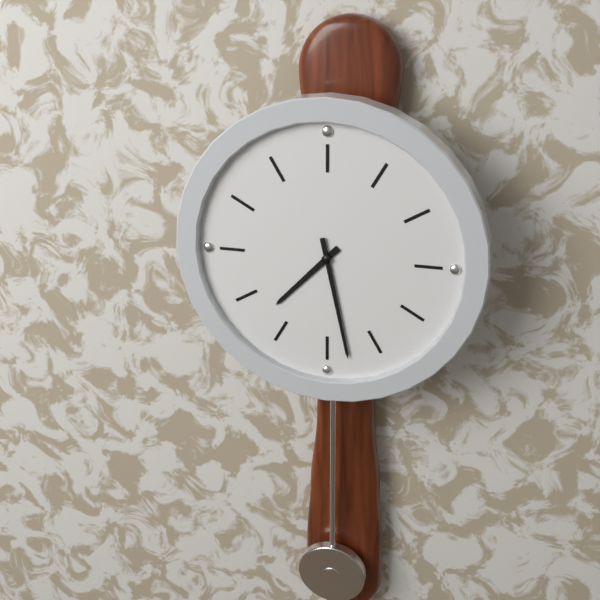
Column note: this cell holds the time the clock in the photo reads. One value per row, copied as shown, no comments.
7:28
